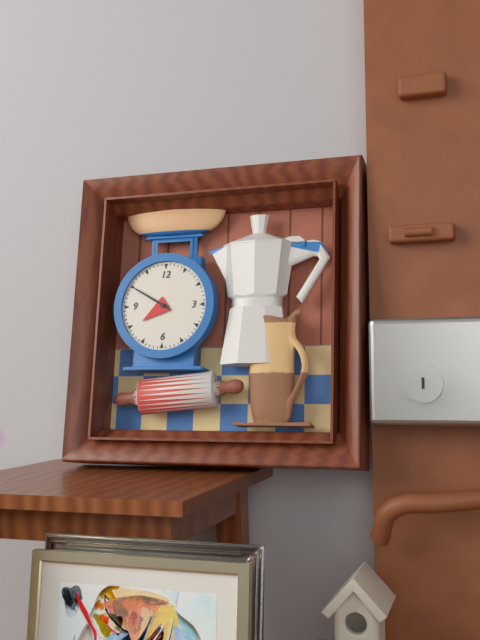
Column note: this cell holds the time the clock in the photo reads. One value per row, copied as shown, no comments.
7:50
